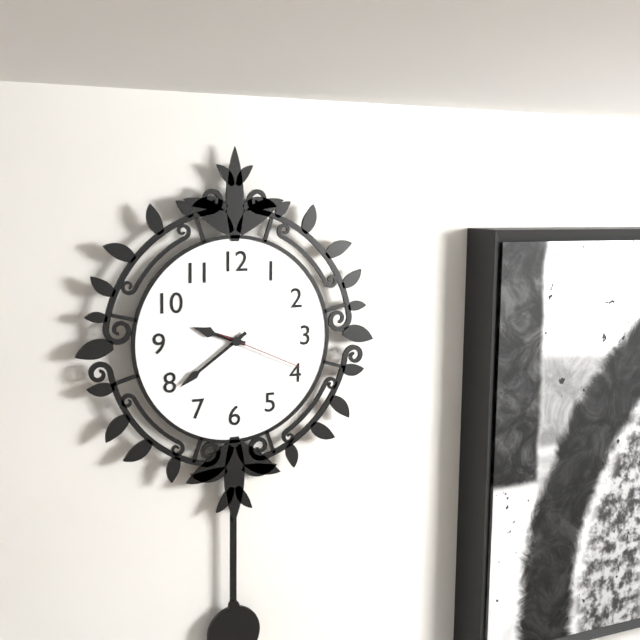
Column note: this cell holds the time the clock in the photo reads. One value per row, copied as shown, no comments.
9:39:19
